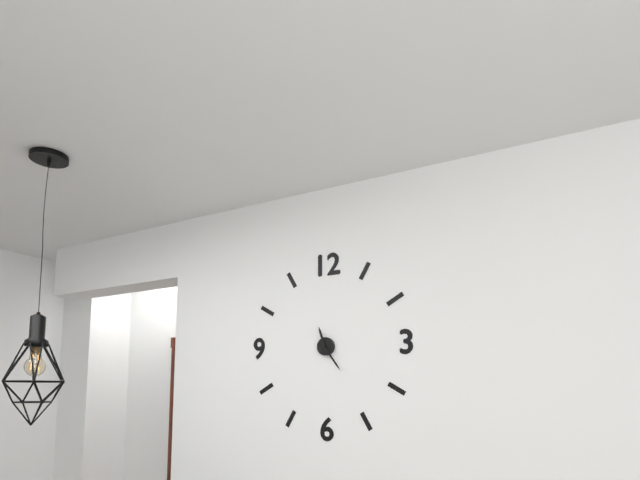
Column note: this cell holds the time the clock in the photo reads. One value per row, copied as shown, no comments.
11:24
